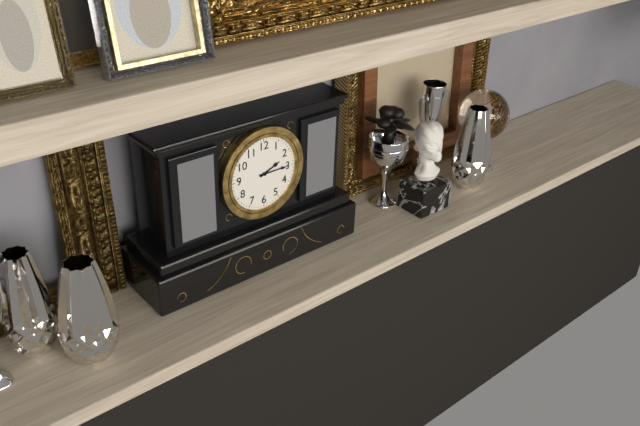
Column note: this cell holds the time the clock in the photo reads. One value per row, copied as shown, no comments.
2:15
